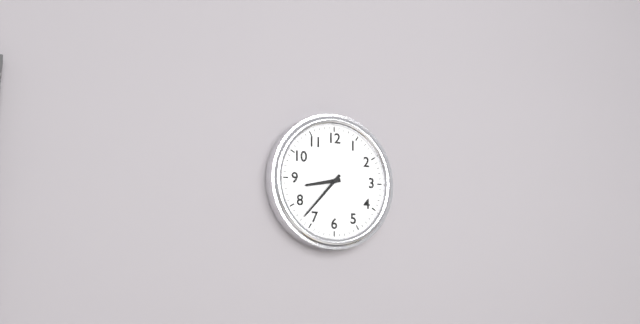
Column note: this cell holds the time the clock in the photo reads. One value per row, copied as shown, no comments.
8:37
